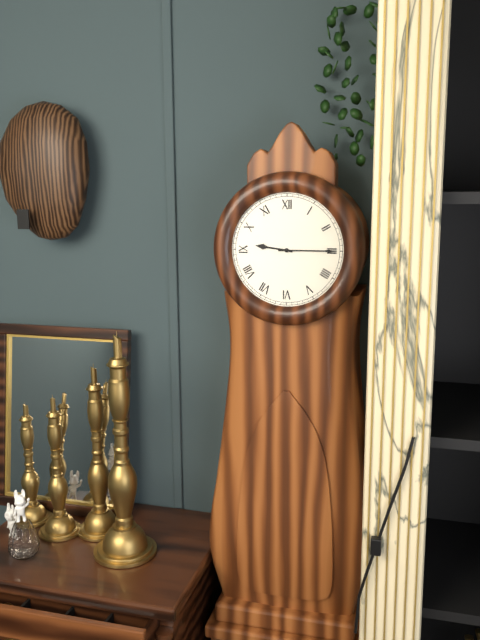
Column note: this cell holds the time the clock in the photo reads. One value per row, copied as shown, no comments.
9:15
